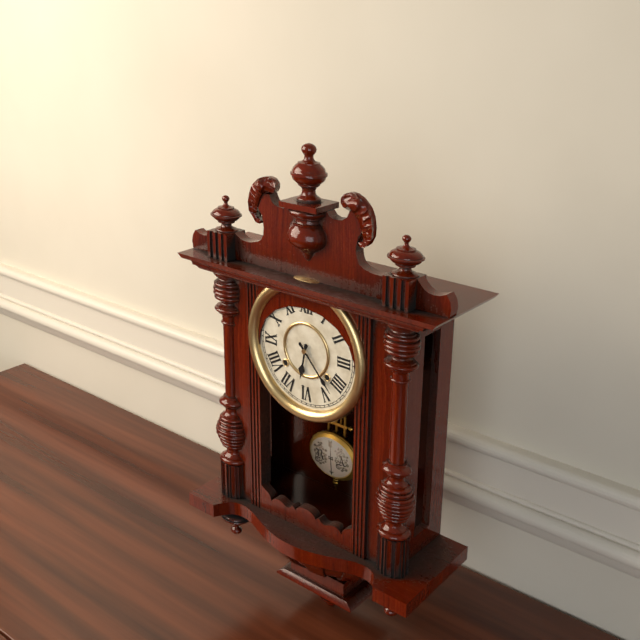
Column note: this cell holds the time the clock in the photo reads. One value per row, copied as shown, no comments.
6:23
